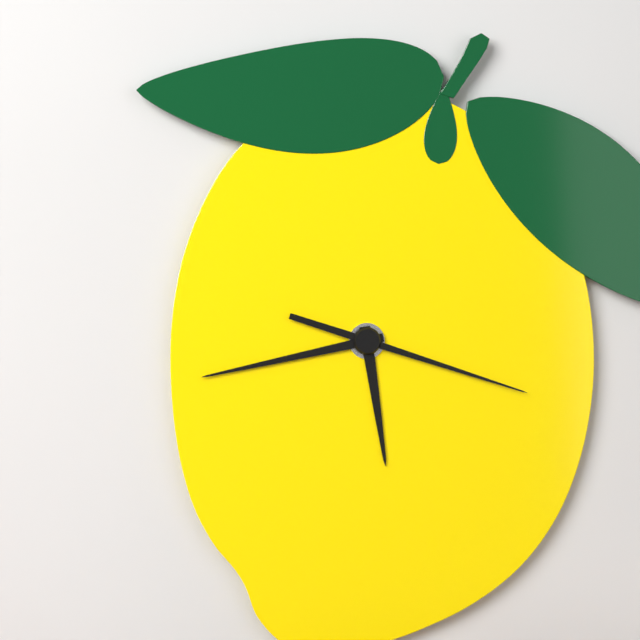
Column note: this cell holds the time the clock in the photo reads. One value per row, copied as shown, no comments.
5:43:18
